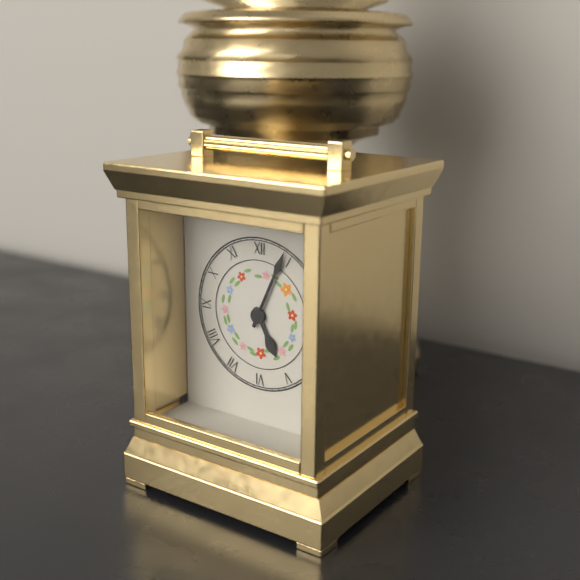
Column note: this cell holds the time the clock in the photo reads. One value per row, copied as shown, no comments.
5:04
